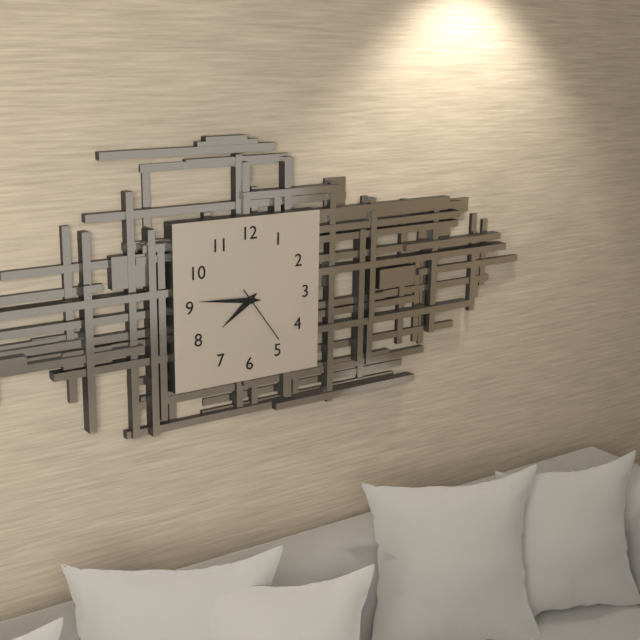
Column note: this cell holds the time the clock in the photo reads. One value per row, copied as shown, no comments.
7:46:24
